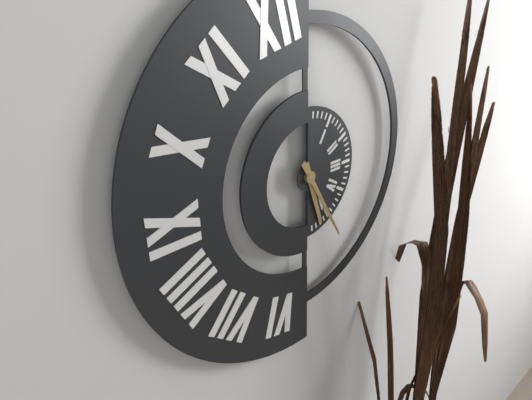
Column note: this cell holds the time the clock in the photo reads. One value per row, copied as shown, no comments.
5:25
